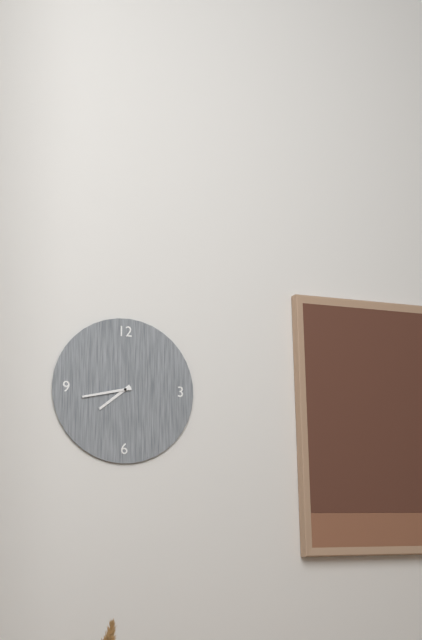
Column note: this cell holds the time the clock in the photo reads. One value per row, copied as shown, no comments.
7:43
